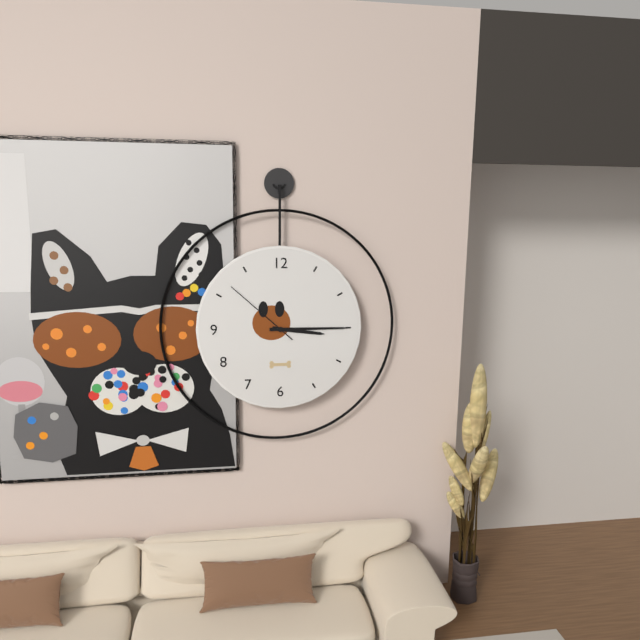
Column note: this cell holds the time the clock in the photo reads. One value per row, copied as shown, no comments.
3:15:52
